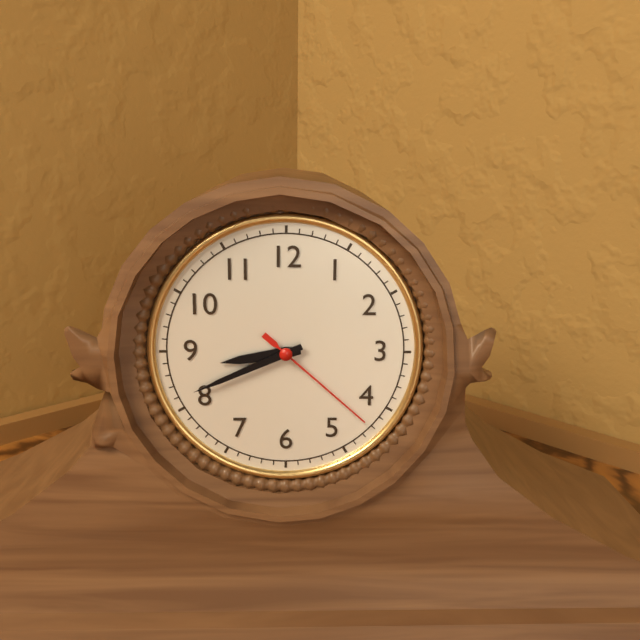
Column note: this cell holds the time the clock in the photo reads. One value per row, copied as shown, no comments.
8:41:22
